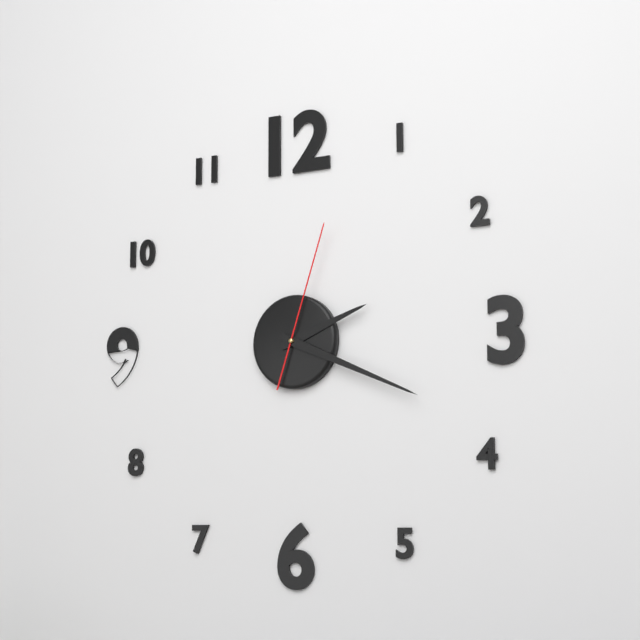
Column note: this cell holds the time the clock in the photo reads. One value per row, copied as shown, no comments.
2:19:03
